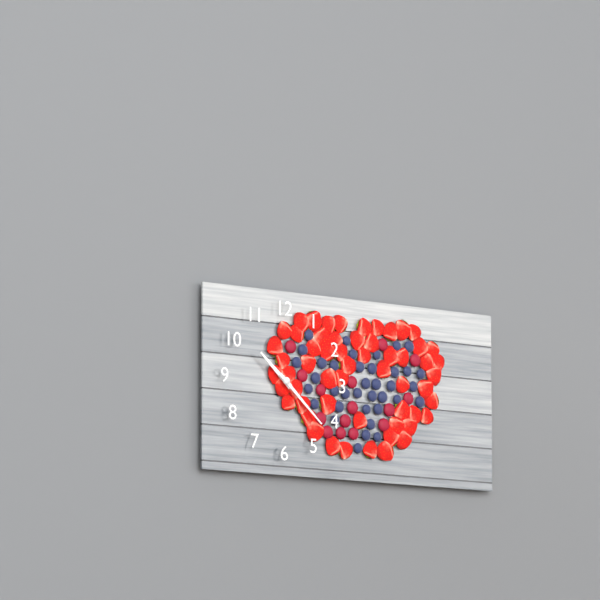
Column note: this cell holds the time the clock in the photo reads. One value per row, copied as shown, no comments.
10:22
